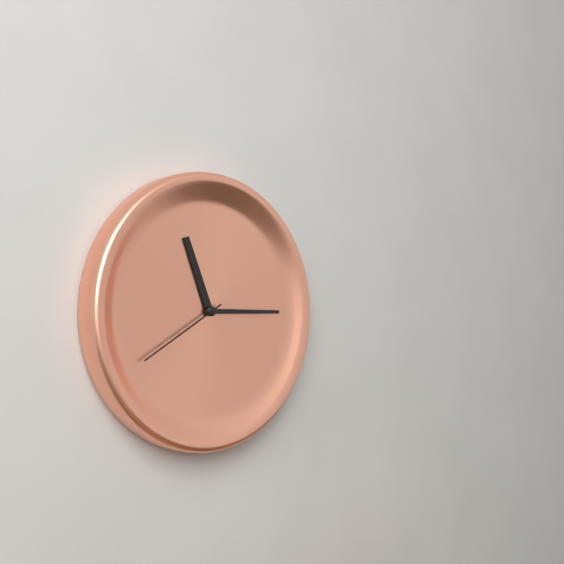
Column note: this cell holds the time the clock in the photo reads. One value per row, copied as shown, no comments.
11:15:40
